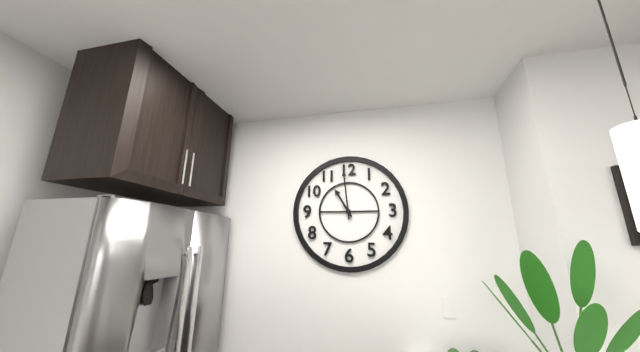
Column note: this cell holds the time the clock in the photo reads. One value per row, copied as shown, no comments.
10:59
